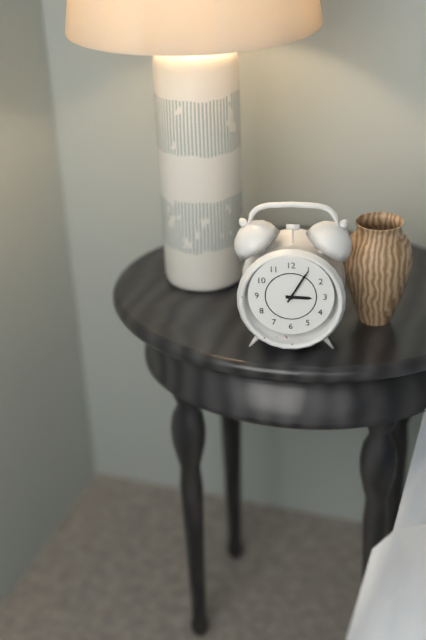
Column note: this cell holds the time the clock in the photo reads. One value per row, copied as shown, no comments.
3:05
